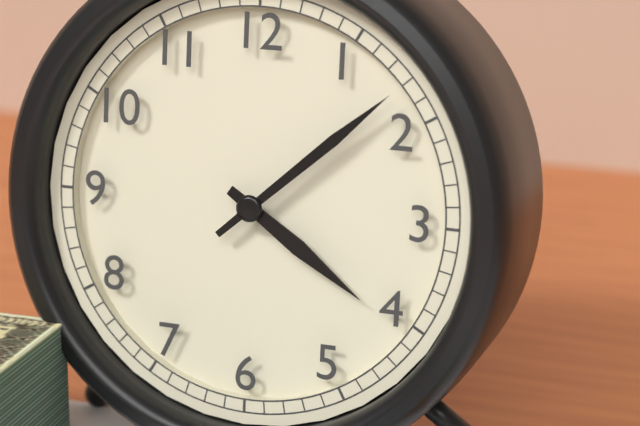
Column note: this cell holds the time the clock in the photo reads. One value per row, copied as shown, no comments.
4:08
